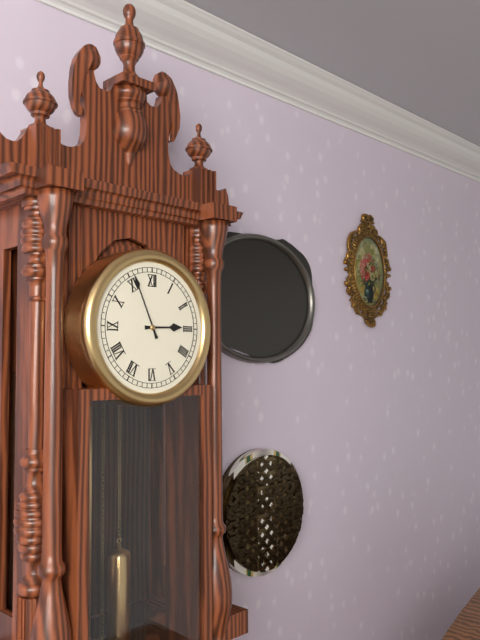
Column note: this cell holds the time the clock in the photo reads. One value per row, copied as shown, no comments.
2:56
